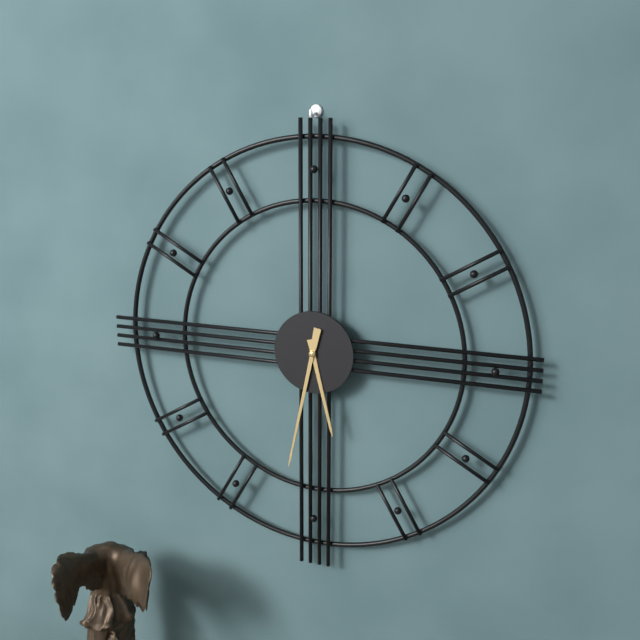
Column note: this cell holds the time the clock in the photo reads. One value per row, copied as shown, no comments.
5:32
